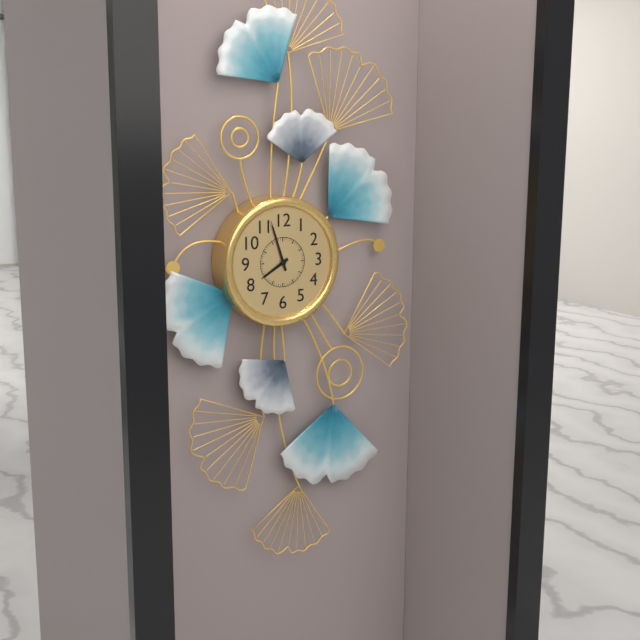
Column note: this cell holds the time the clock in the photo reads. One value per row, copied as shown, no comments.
7:57
